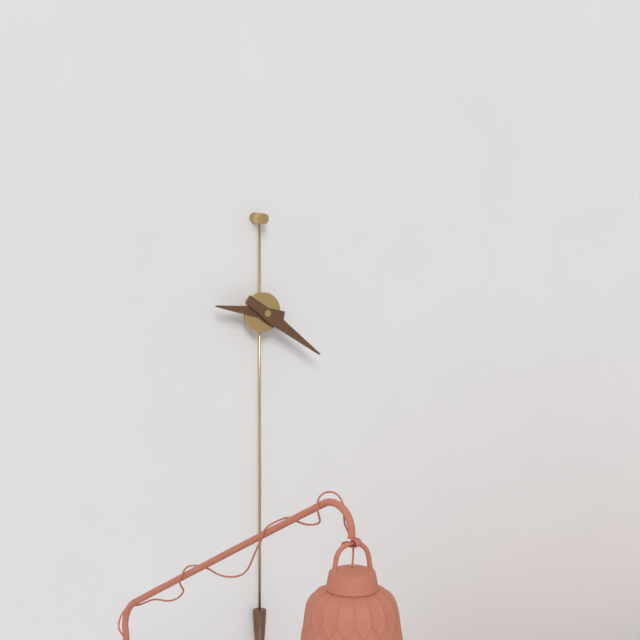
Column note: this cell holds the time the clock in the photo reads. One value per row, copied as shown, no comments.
9:21
